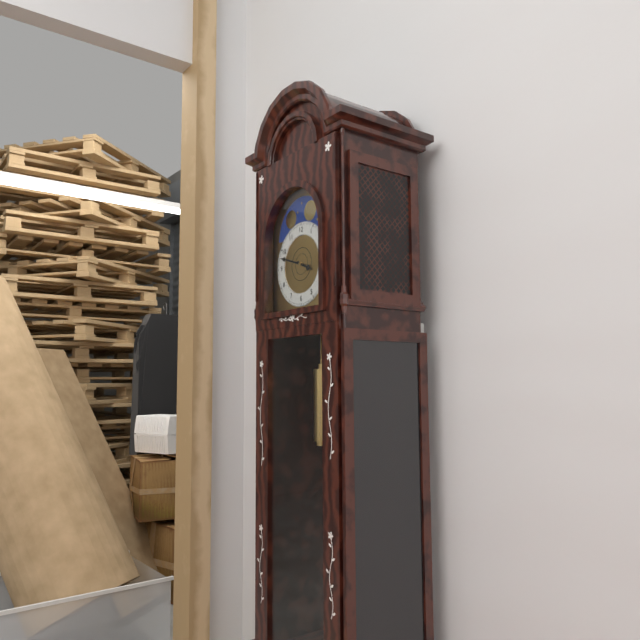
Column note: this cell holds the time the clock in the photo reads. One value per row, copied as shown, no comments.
3:48
